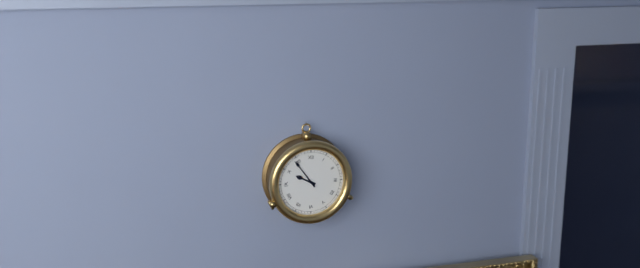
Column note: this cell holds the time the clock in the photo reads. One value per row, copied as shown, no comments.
9:54
